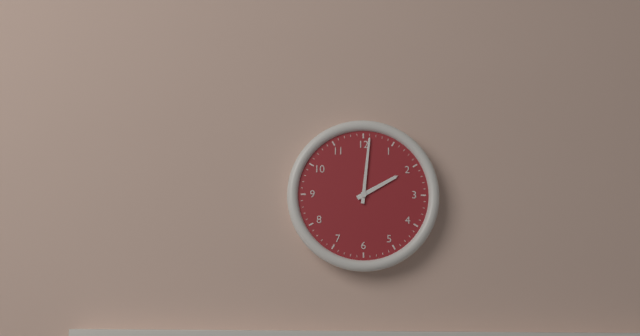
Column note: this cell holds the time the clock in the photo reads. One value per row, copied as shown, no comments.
2:01
